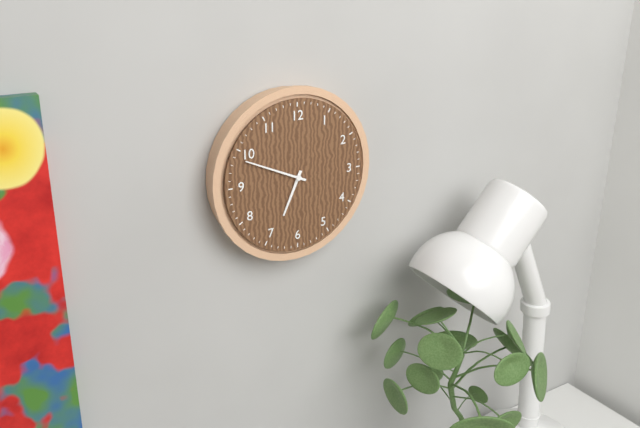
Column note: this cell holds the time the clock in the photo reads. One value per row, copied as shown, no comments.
6:49
